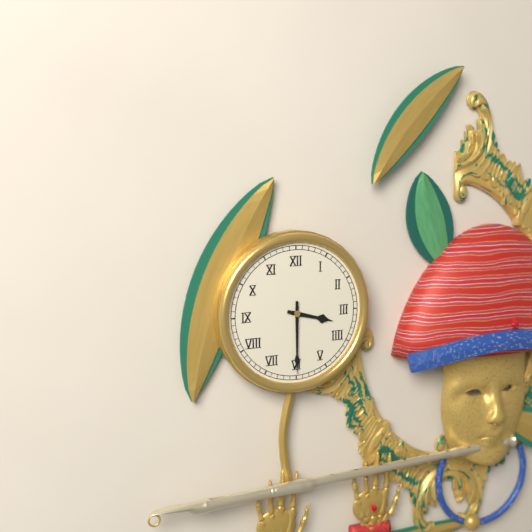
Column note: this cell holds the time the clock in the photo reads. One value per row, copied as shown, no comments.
3:30
